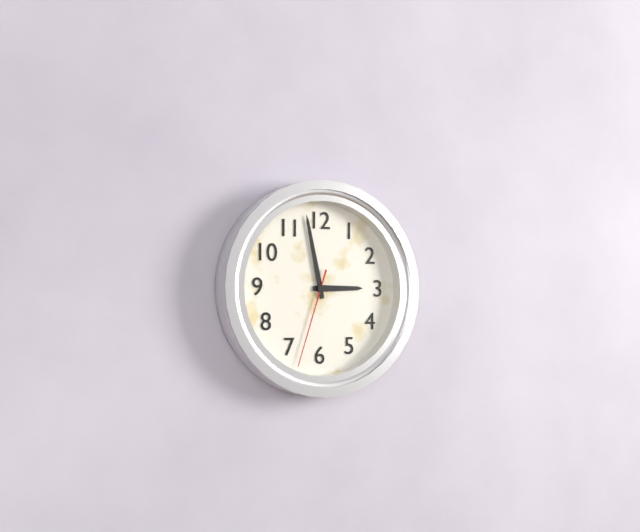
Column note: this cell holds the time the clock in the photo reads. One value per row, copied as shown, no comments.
2:58:33
